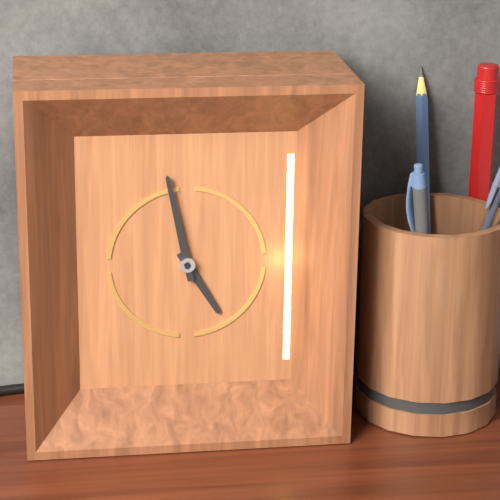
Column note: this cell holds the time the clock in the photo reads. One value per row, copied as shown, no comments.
4:58
